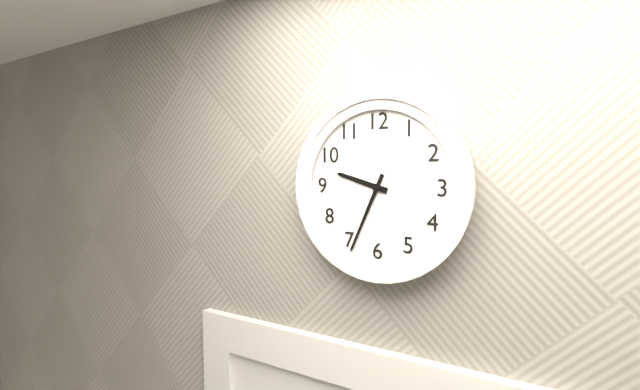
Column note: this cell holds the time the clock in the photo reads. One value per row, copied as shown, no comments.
9:34
